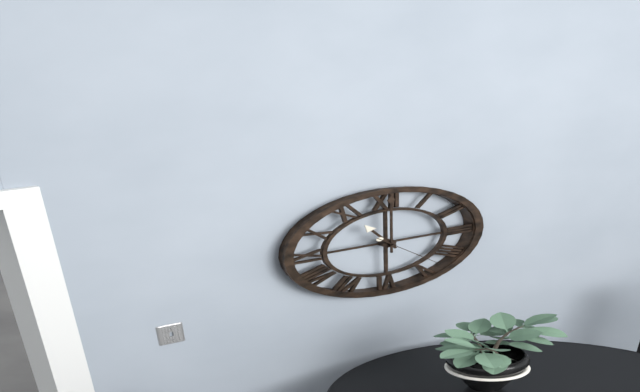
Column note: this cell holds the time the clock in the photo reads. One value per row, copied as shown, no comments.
11:00:23
